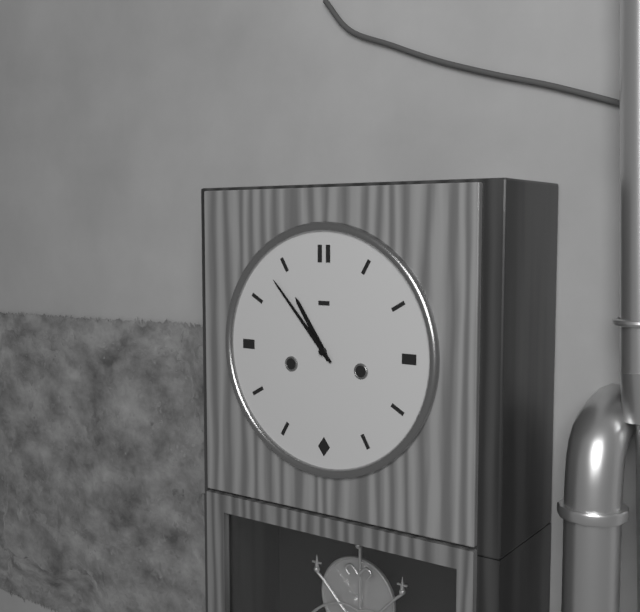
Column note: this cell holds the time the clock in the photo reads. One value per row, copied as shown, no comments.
10:53
